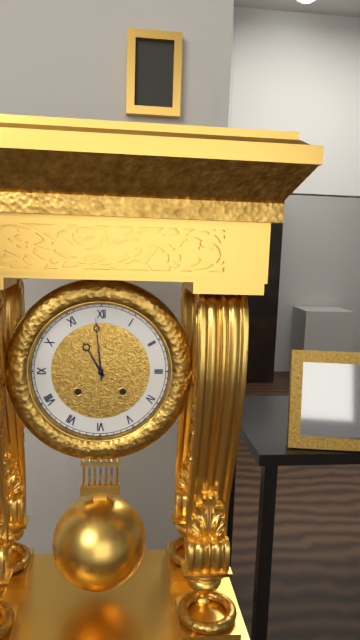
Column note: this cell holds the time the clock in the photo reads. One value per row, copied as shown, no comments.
10:59
